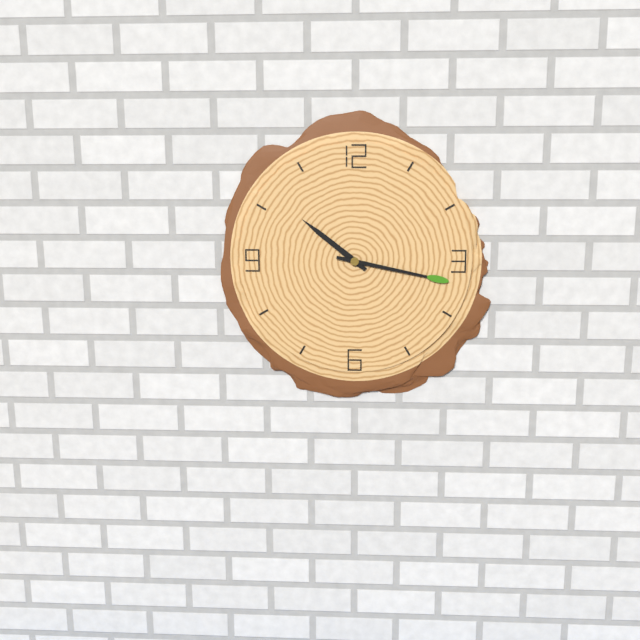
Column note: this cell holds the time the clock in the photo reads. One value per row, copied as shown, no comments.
10:17
